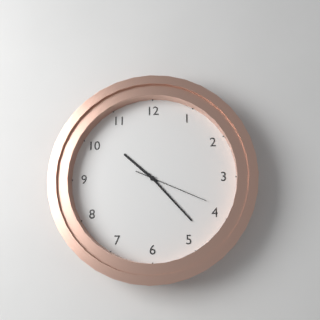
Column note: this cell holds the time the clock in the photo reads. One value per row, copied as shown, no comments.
10:23:19
